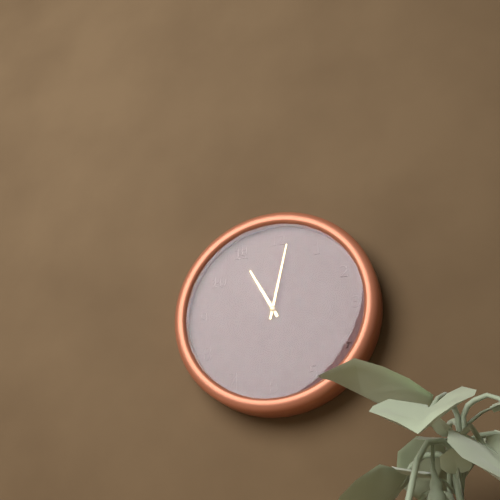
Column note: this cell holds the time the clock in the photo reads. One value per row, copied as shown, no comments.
11:02
